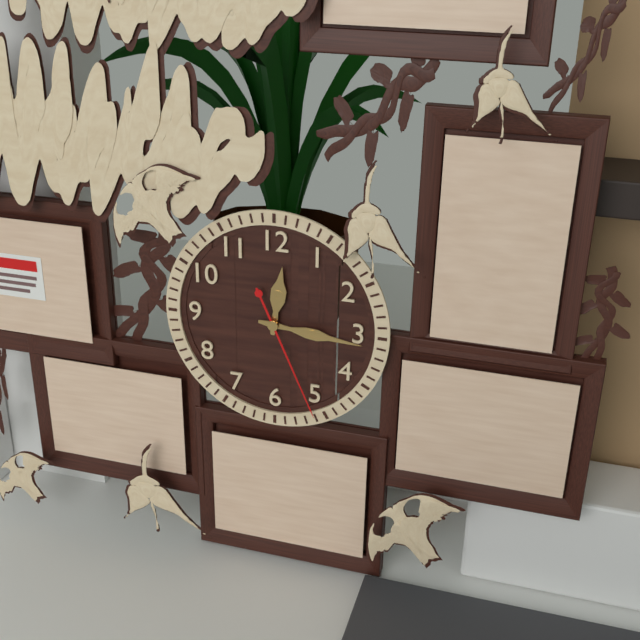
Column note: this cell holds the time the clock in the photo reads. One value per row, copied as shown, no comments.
12:16:26
